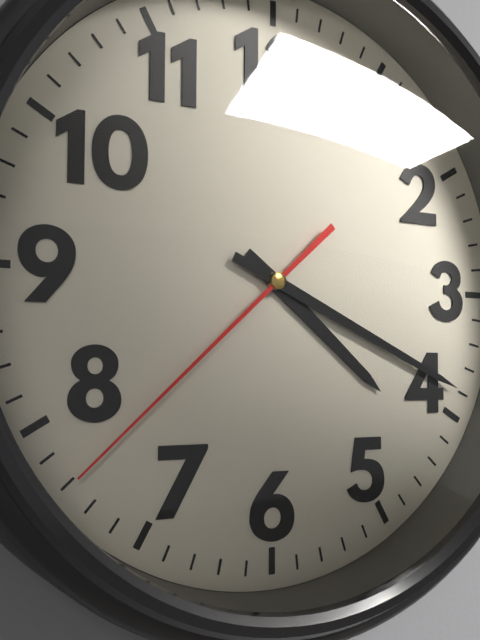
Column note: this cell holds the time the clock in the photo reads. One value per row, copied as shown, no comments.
4:19:38
